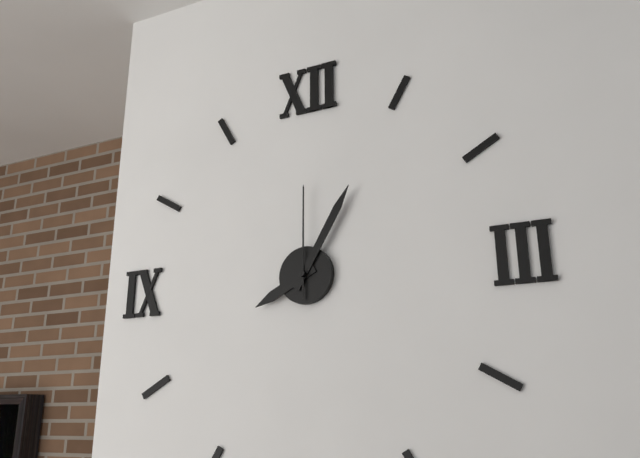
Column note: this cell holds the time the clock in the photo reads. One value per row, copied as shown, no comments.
8:05:00
